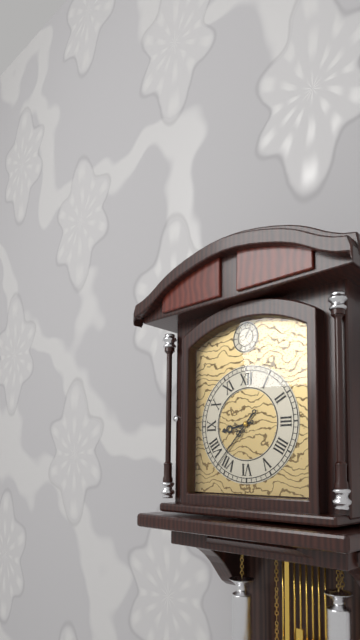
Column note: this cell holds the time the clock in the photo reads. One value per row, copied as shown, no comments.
8:37
